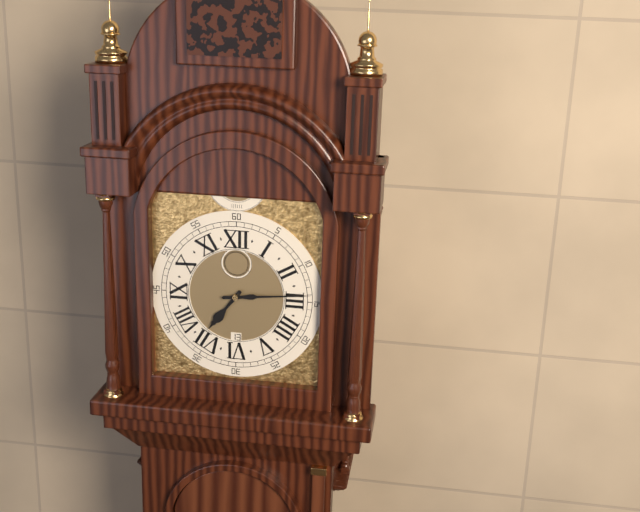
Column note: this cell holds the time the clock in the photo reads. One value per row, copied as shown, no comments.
7:14
